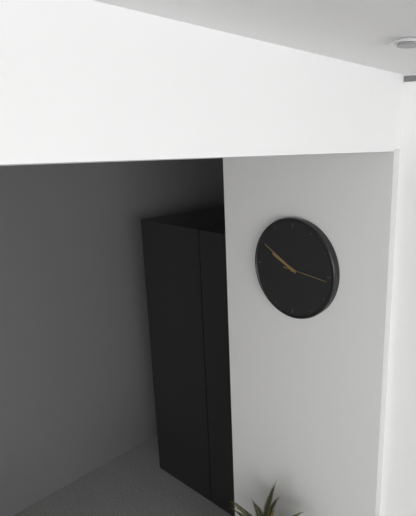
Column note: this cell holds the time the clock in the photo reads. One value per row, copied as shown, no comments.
9:50
